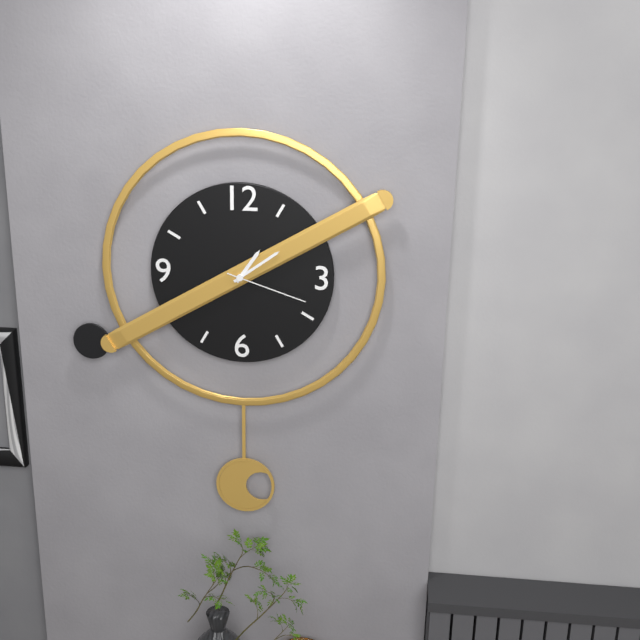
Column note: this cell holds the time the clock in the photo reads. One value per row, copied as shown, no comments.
1:09:18
